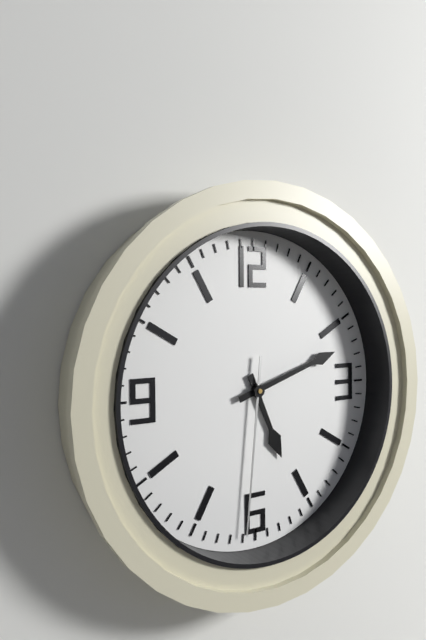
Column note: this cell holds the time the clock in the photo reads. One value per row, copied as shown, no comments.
5:12:31
